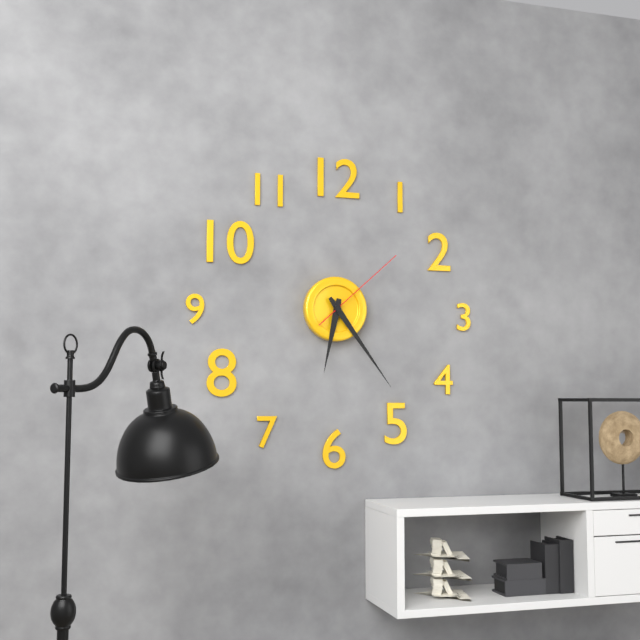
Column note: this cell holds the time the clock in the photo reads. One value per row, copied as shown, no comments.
6:24:08
